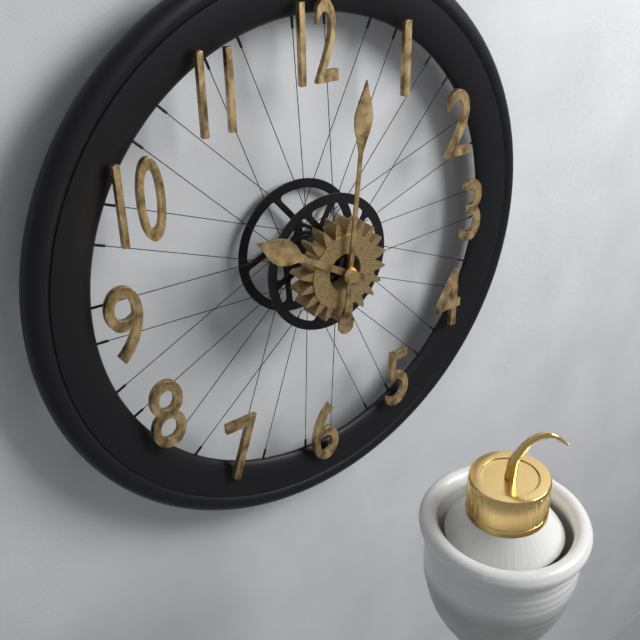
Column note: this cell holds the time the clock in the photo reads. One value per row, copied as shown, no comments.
10:01
